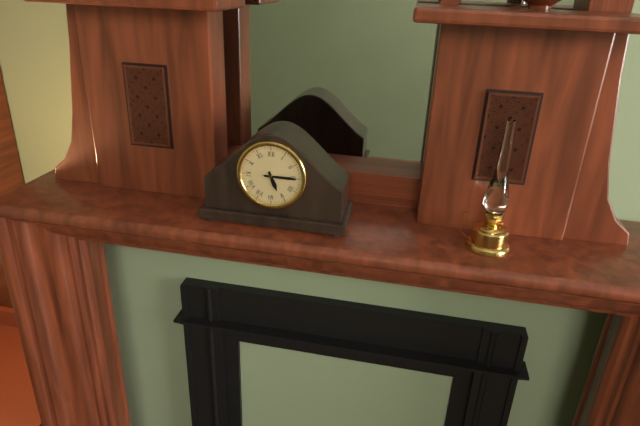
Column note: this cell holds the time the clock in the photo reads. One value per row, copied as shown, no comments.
5:15
